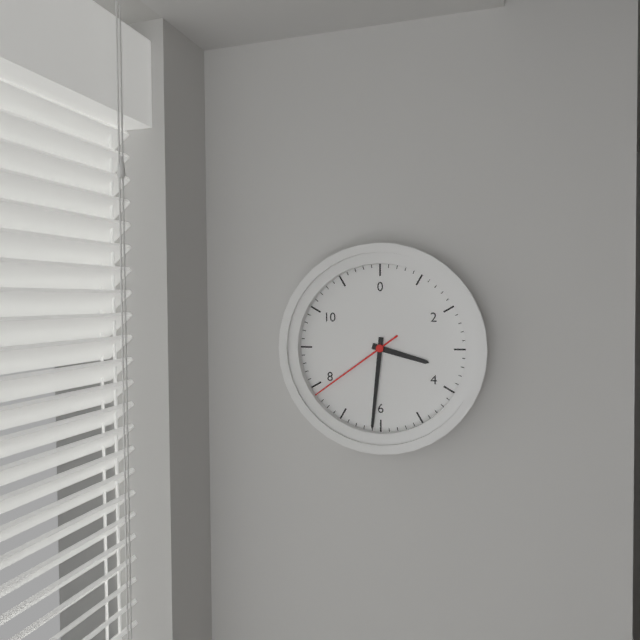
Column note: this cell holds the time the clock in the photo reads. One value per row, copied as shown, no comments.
3:31:39
